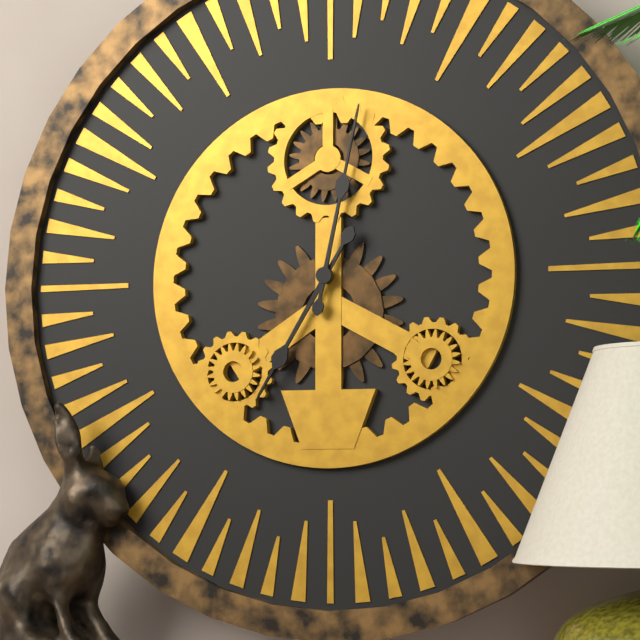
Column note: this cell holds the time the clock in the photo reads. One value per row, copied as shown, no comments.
7:02
